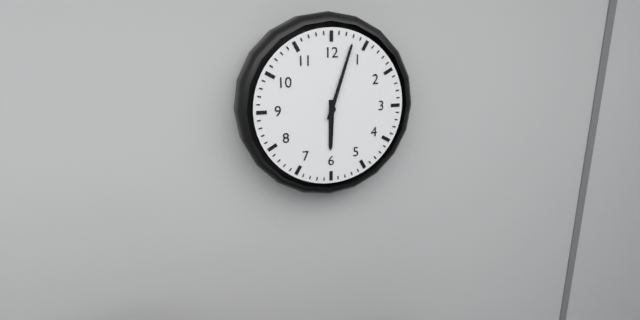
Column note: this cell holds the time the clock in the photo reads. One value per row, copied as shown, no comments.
6:03
